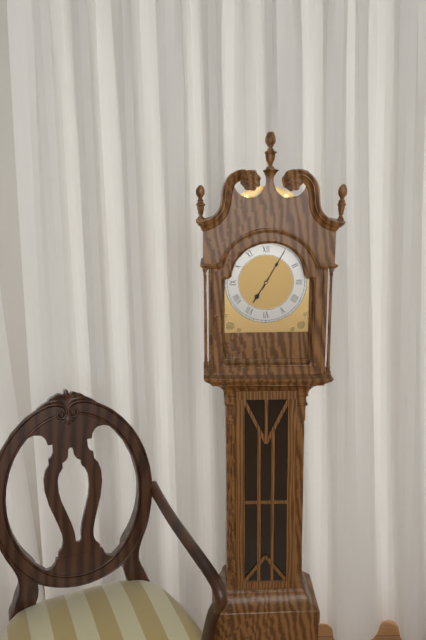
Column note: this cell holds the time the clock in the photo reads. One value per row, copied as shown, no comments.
7:05
